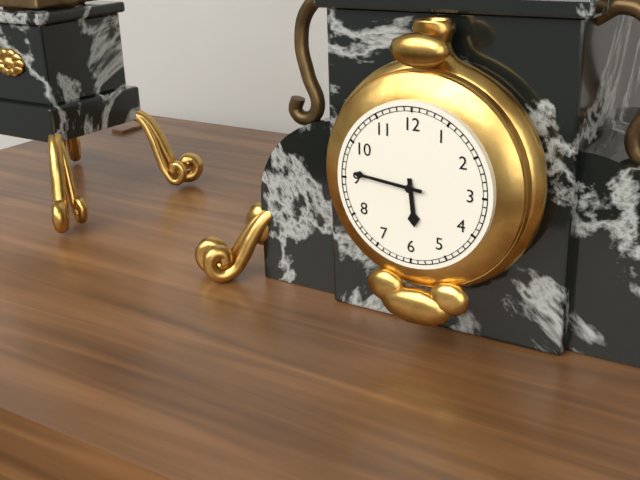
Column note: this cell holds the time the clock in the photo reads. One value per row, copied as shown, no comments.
5:46
